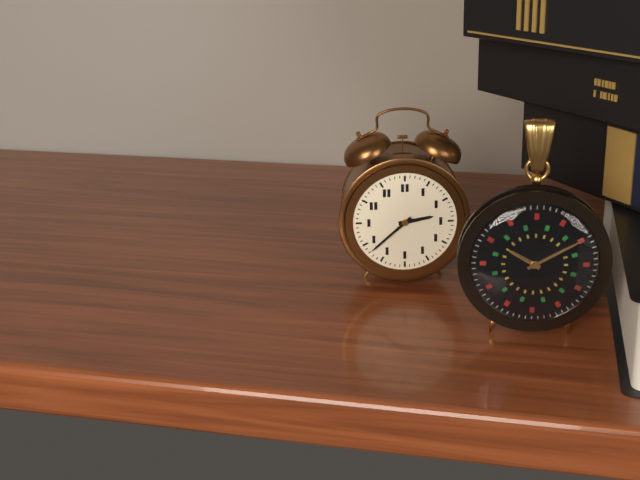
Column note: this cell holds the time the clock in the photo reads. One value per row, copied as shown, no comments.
2:38
